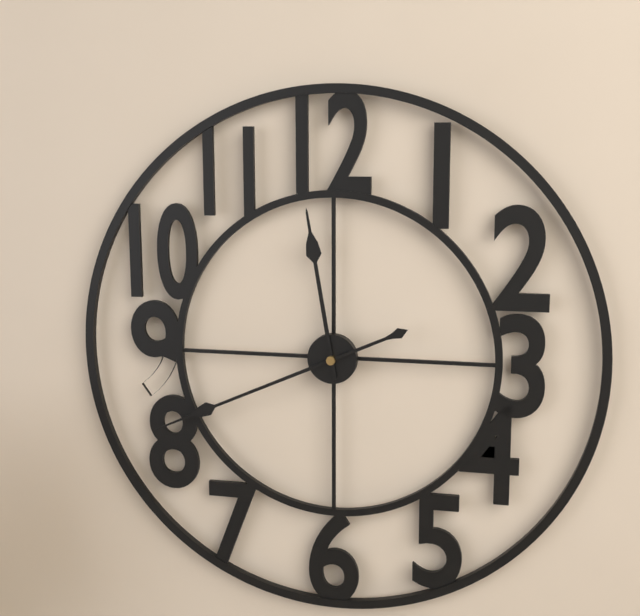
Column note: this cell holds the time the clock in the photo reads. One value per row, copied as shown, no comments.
11:41
